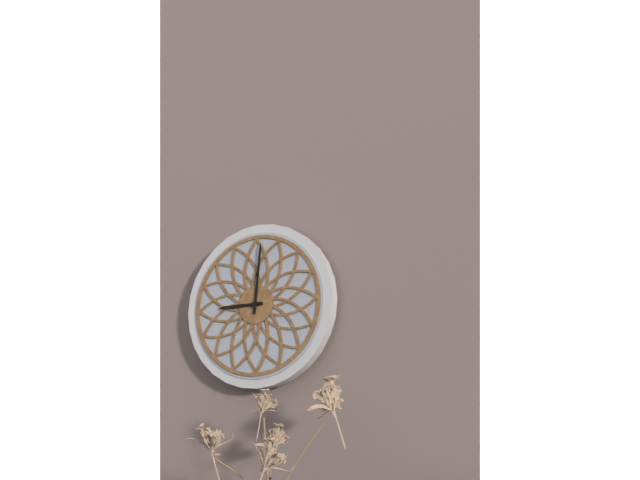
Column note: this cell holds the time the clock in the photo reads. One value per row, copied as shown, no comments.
9:01
